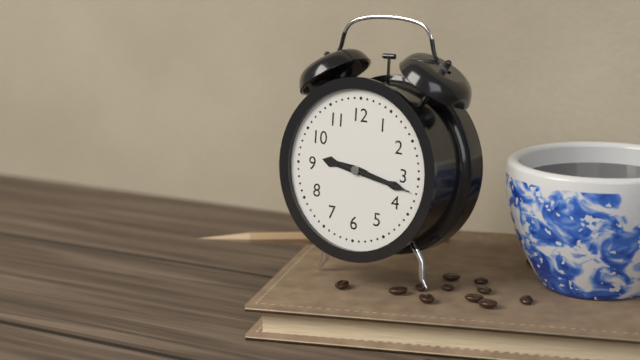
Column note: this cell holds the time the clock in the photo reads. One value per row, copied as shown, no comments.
9:17:17
